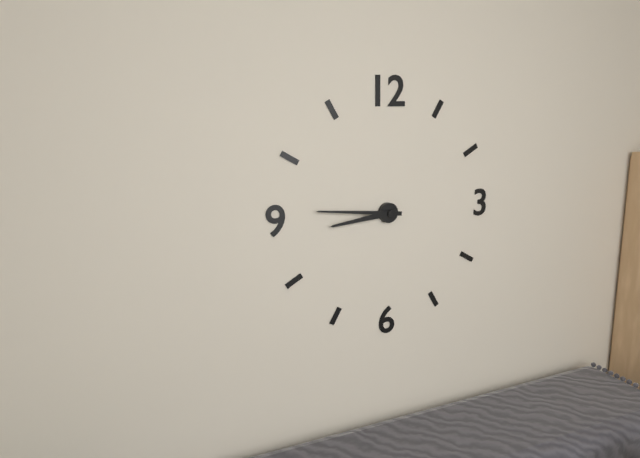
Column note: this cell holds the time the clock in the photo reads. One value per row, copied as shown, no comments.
8:46
